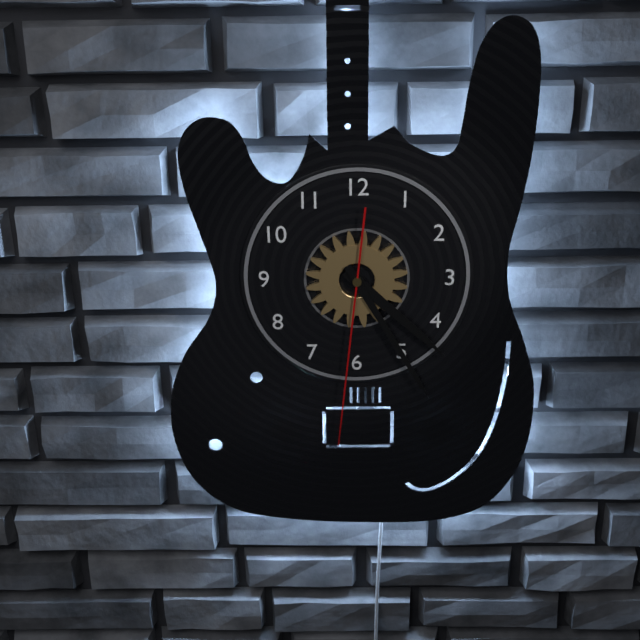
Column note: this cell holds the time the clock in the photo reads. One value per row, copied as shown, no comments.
4:25:31
